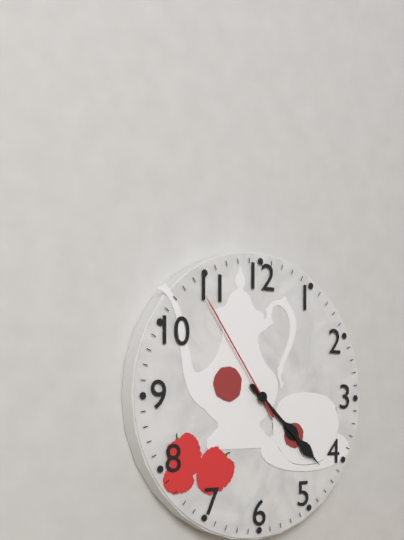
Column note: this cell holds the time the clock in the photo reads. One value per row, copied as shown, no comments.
4:22:54
